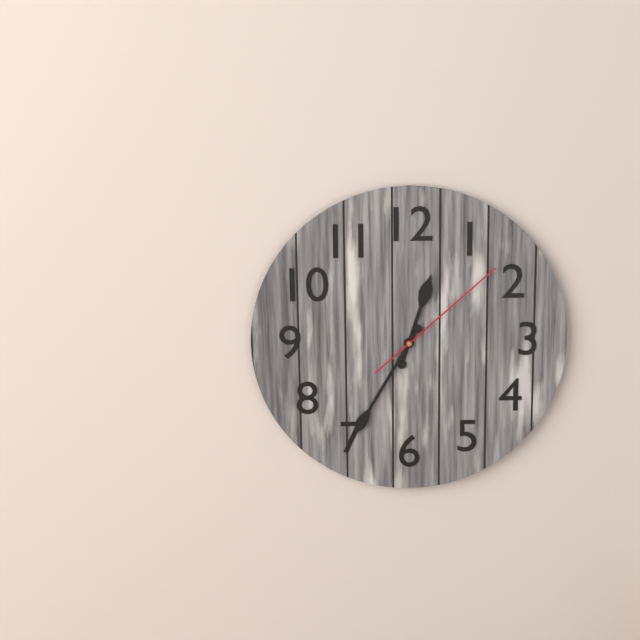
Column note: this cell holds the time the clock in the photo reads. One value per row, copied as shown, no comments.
12:35:08
